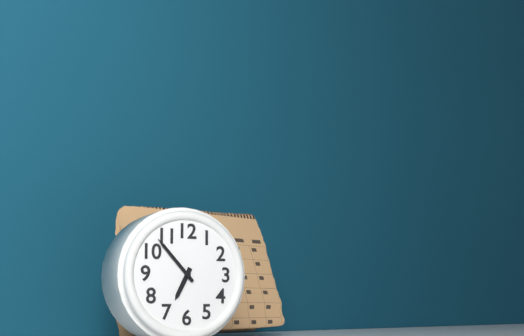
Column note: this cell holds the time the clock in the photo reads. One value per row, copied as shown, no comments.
6:53
